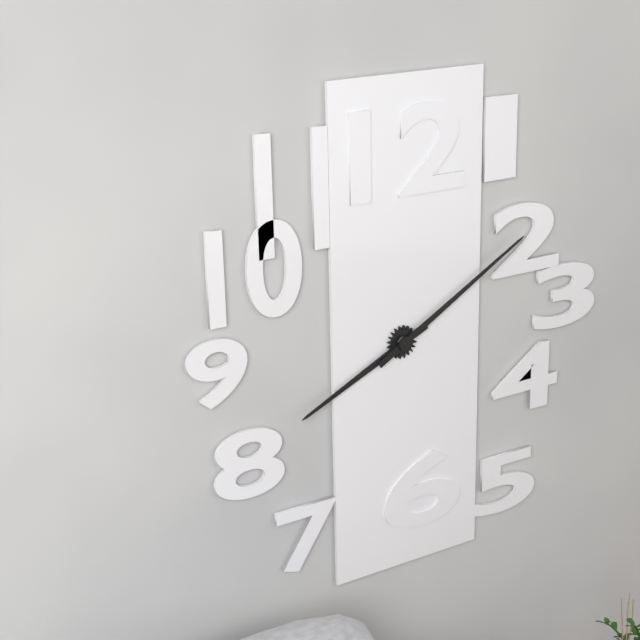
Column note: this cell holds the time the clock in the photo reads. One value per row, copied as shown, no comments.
8:10
